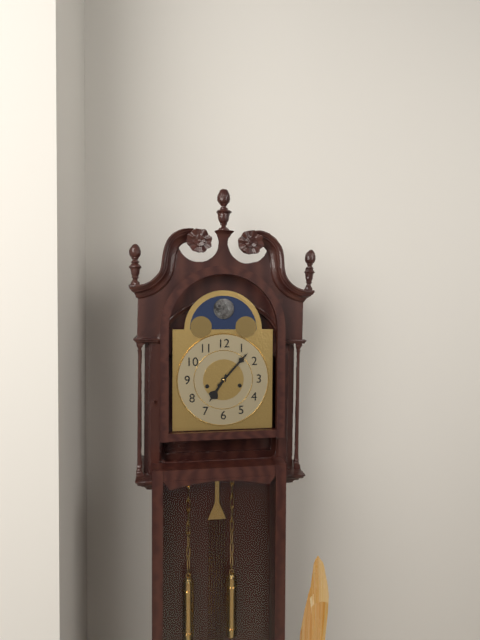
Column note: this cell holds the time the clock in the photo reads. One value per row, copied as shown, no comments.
7:07
